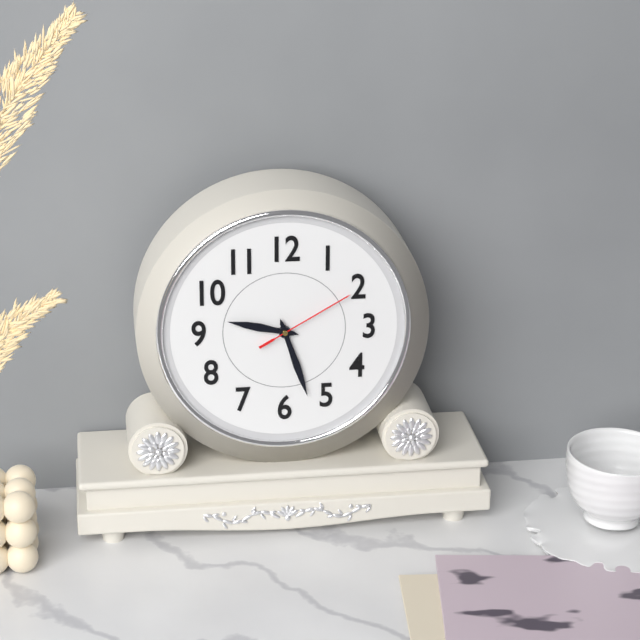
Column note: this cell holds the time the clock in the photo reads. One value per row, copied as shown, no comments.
9:27:10
